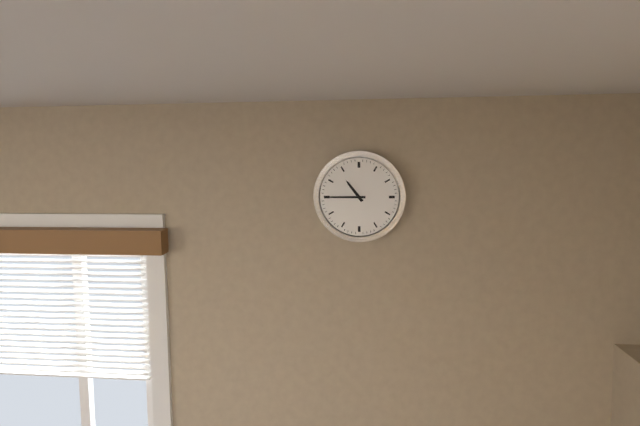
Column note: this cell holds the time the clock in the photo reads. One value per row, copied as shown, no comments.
10:45
